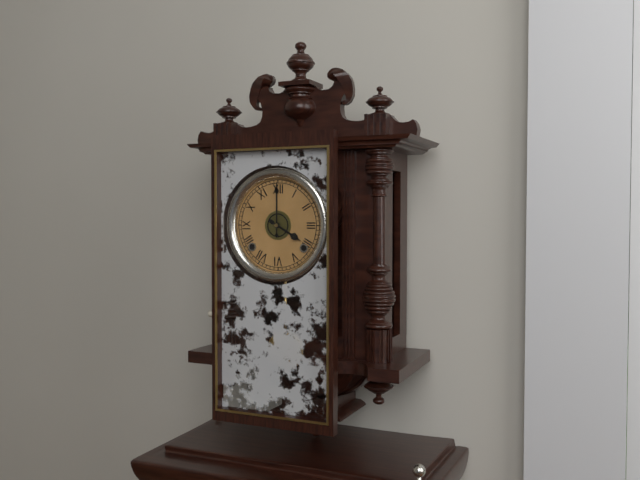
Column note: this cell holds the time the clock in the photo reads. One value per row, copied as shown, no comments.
4:00
